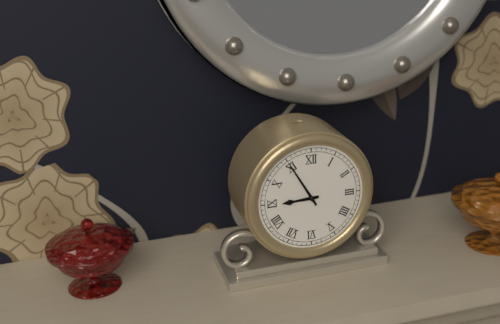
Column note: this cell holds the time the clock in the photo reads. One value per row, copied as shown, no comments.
8:55
